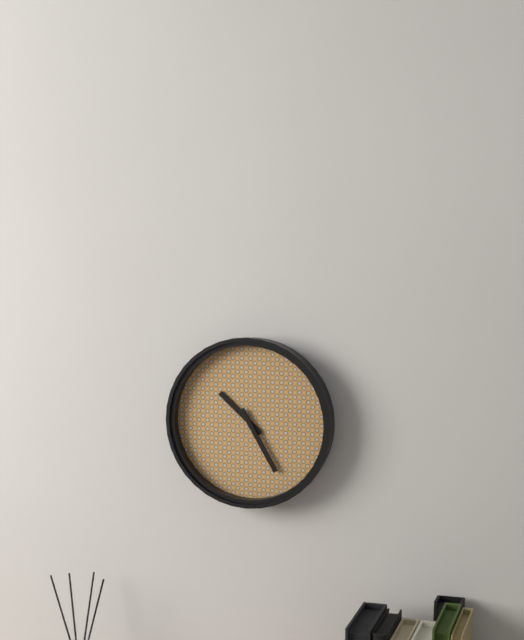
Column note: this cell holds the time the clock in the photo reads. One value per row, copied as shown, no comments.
10:25
